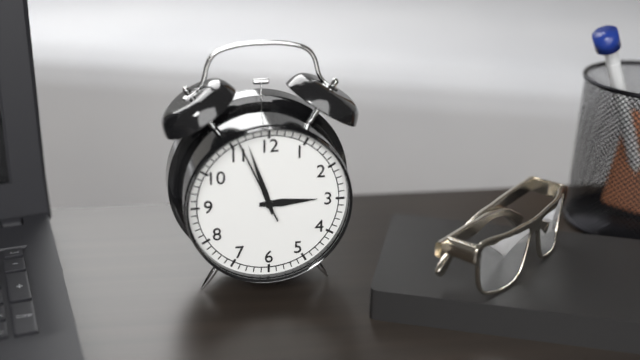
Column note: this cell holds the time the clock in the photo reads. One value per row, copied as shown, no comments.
2:57:56
